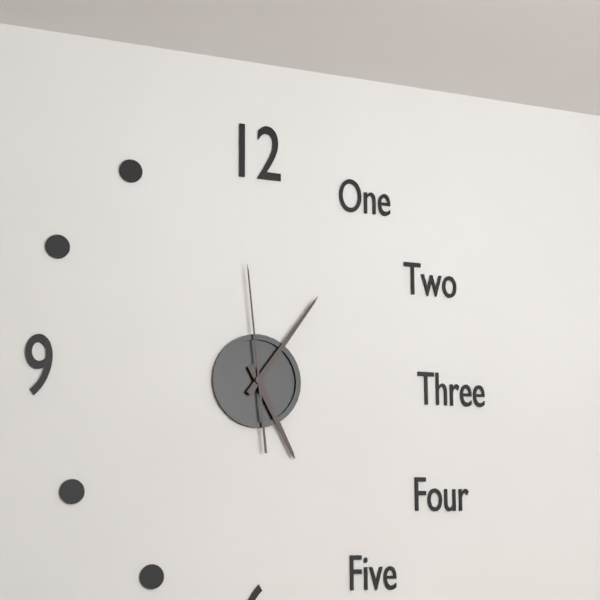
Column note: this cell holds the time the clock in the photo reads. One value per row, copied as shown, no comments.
5:06:59
